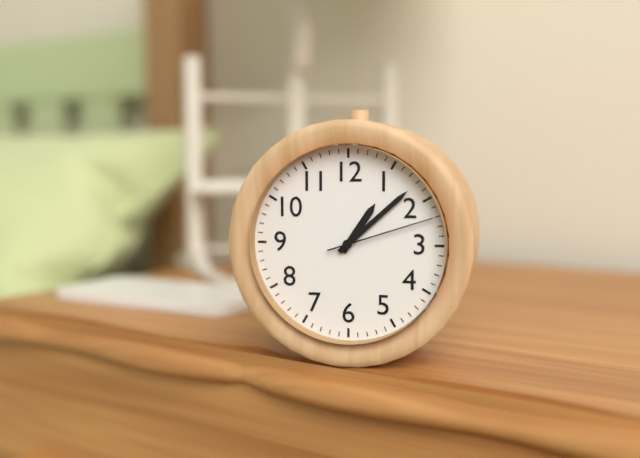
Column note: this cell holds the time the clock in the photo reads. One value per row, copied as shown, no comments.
1:08:12
